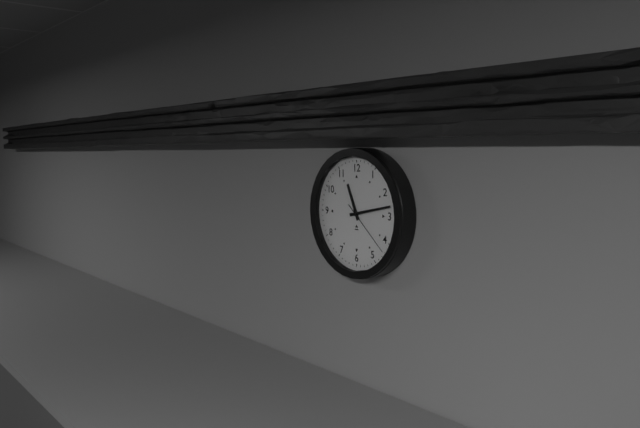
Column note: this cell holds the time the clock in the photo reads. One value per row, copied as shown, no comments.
11:13:22
